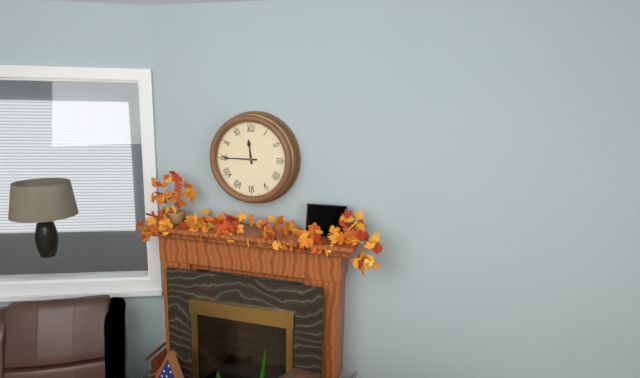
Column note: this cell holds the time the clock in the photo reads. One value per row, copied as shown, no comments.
11:45
